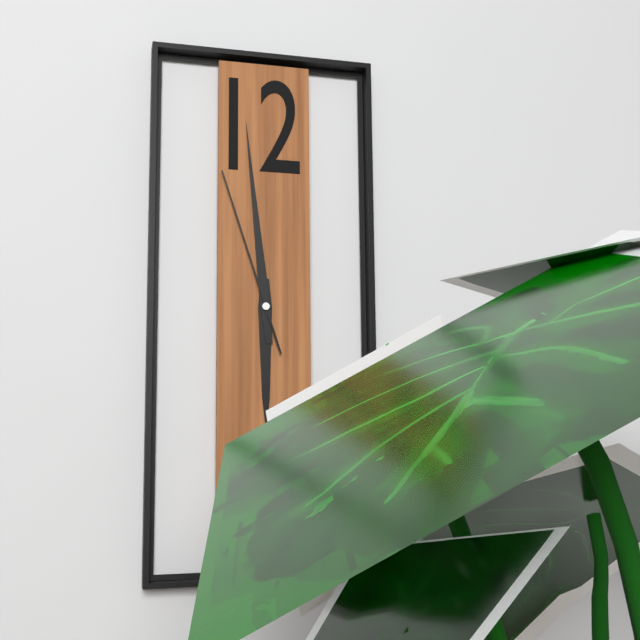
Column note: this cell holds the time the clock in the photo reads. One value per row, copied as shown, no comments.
5:59:57
